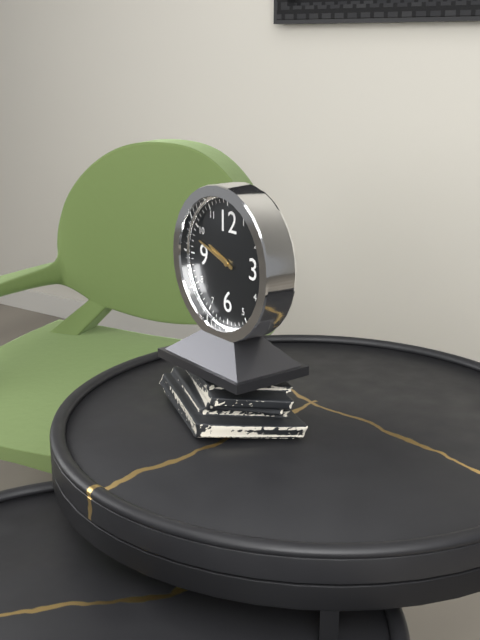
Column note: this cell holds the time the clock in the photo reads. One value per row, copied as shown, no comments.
9:48
